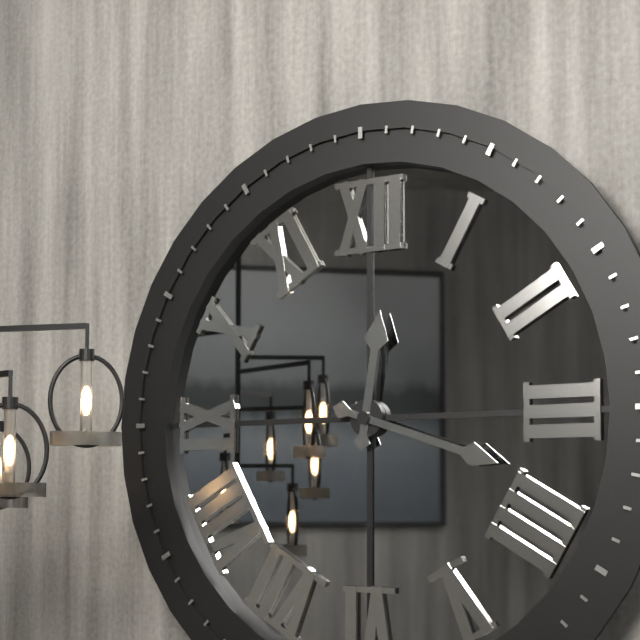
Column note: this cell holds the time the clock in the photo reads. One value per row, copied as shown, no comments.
12:18
